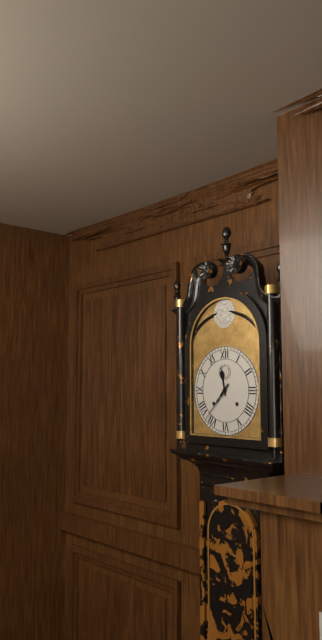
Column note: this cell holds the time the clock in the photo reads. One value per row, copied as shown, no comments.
11:37
